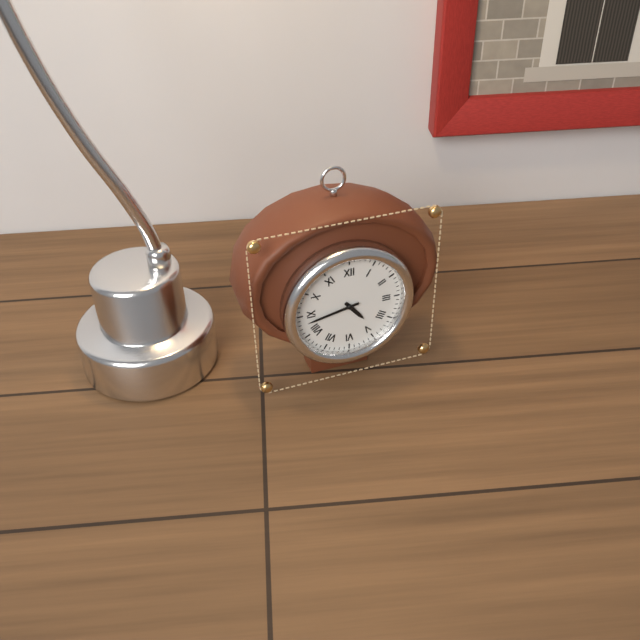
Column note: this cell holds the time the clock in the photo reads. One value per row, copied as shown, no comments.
4:43
